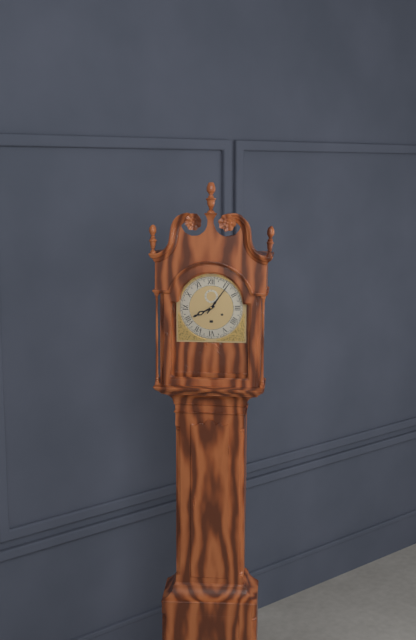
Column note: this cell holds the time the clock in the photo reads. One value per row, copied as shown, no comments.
8:06
